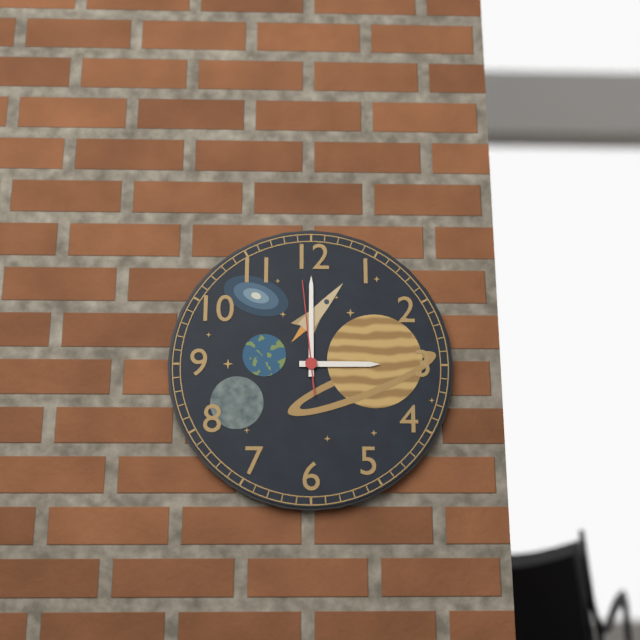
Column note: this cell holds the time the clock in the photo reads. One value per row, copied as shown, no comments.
3:00:59
